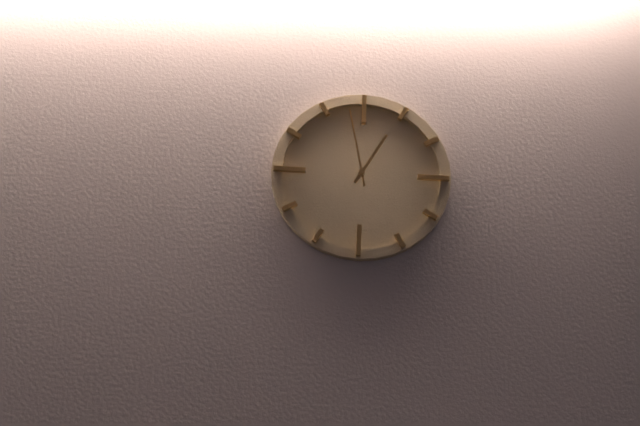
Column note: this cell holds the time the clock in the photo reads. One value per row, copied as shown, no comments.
12:58
